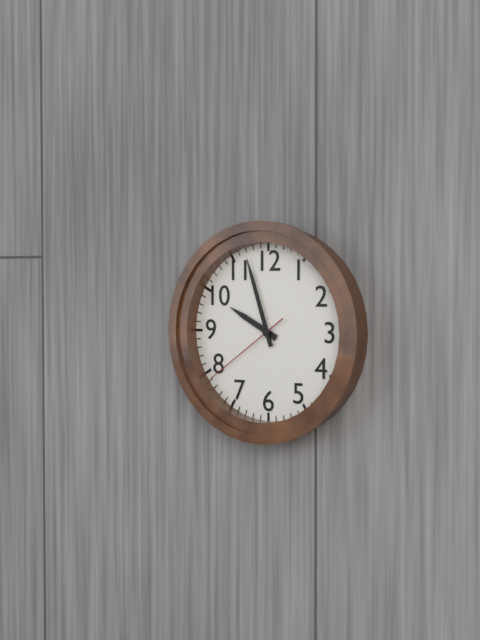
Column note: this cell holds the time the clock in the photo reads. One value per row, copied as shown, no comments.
9:57:39
